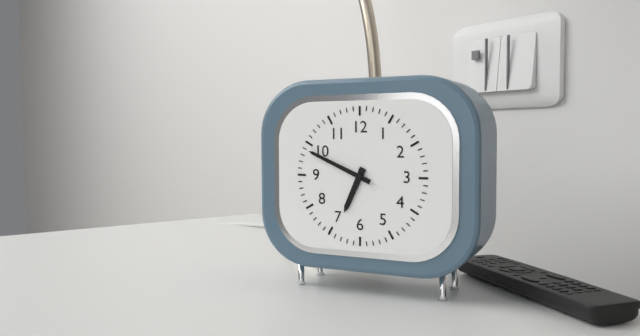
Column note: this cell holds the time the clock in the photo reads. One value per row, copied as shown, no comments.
6:49
